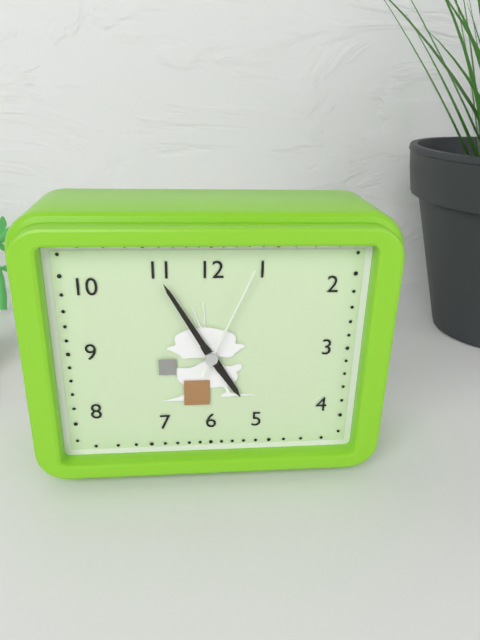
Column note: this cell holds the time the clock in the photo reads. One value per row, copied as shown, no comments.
4:55:04
